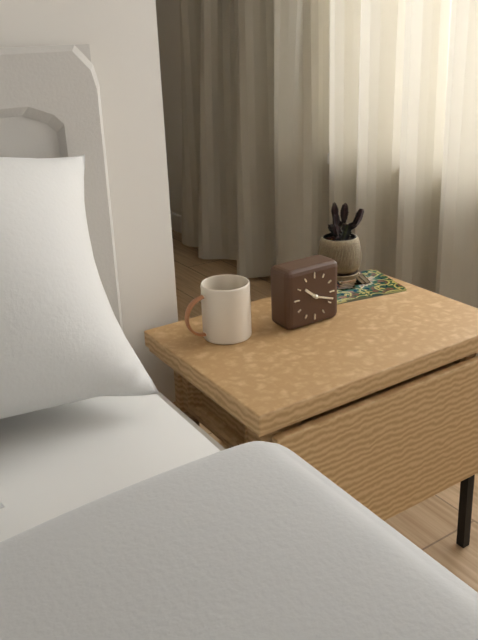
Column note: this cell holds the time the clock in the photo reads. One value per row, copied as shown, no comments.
10:18
